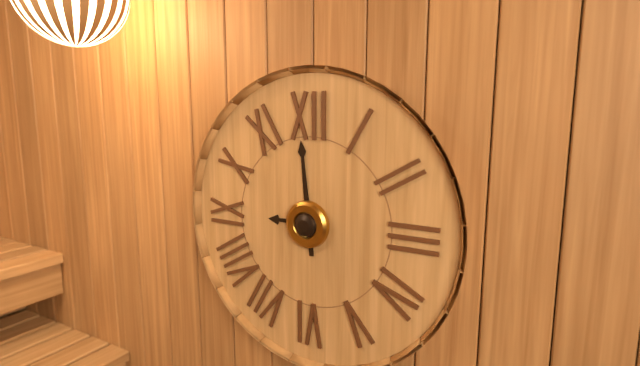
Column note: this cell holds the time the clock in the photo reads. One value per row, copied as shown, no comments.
8:59
